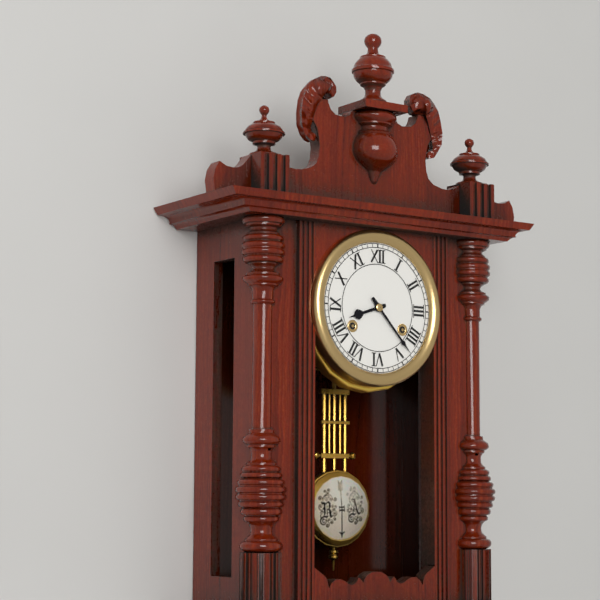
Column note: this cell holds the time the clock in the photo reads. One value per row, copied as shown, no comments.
8:23
